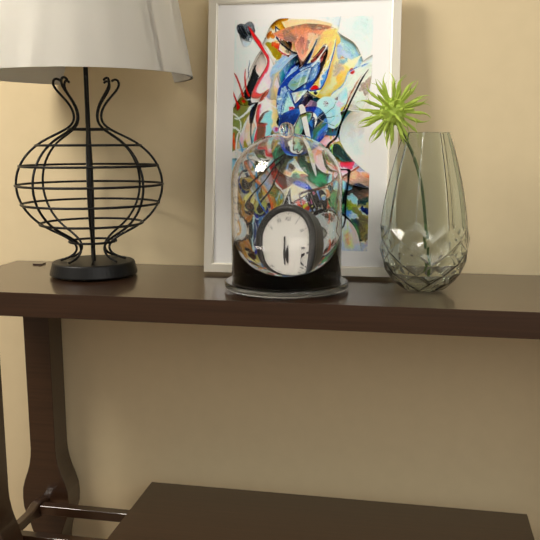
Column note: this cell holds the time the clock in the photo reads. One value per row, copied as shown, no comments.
5:42
